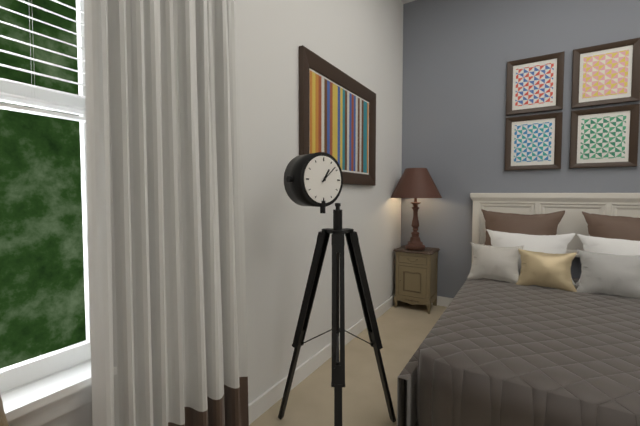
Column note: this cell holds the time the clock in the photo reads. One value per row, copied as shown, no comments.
1:08
